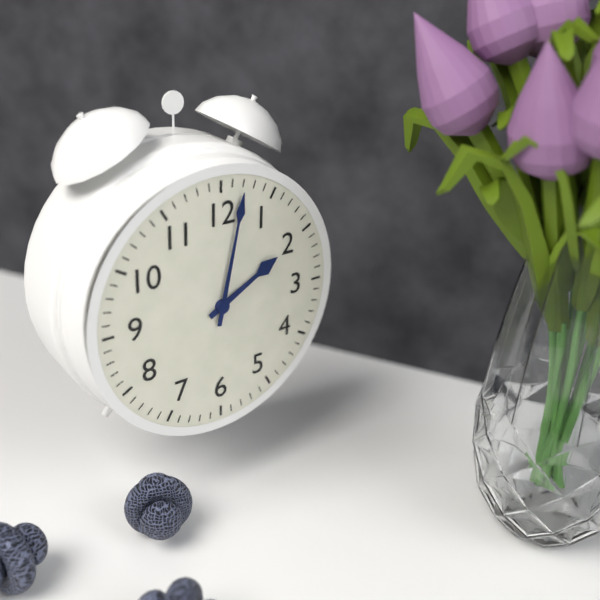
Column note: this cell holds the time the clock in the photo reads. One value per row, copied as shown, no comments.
2:02
